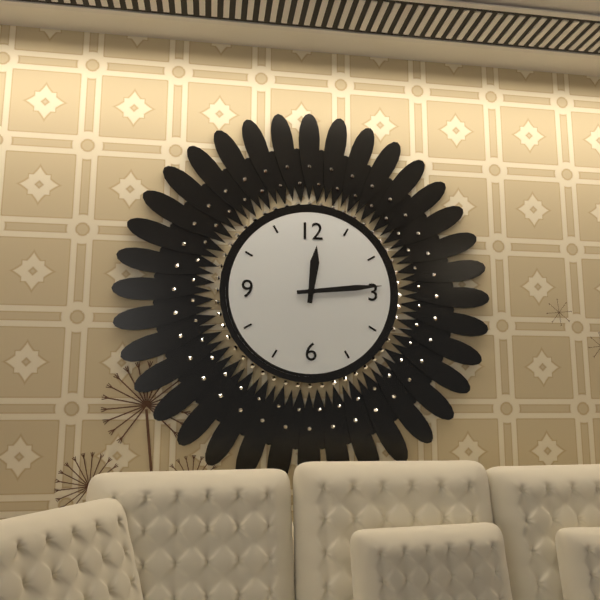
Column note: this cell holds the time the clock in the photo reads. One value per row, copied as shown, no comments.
12:14
